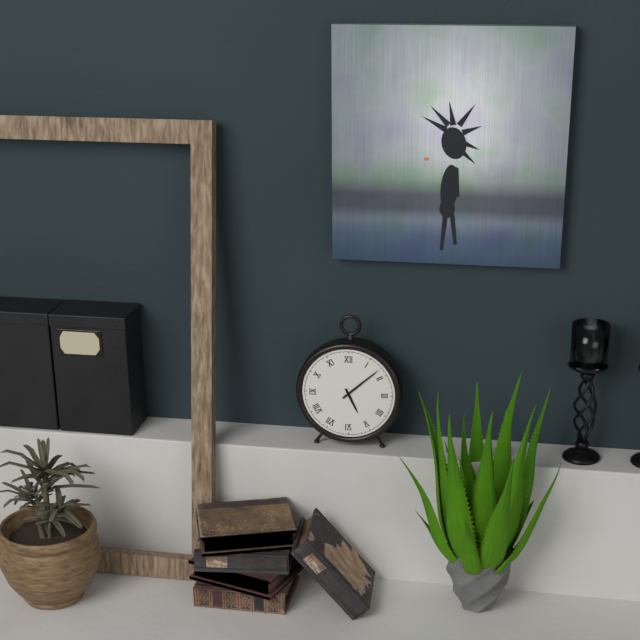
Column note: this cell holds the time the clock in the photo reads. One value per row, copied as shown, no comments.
5:08
